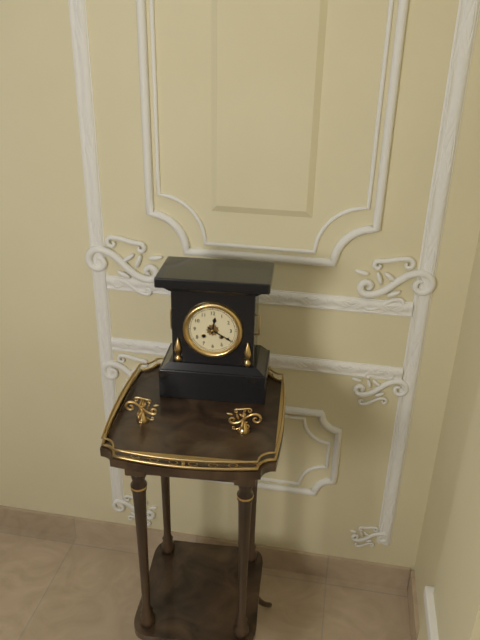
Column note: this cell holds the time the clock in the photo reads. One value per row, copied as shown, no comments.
12:20
